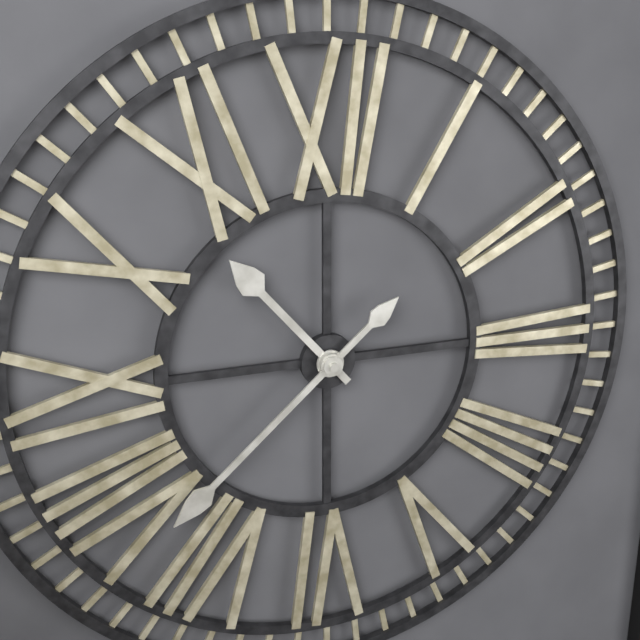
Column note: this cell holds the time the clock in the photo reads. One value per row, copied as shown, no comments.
10:38
